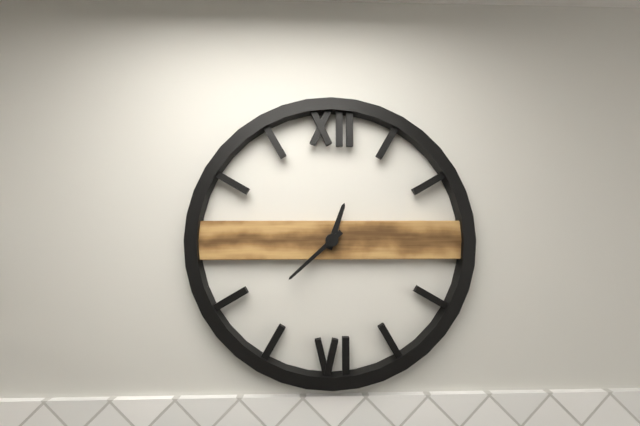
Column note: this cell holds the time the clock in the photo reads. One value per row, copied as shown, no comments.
12:38
